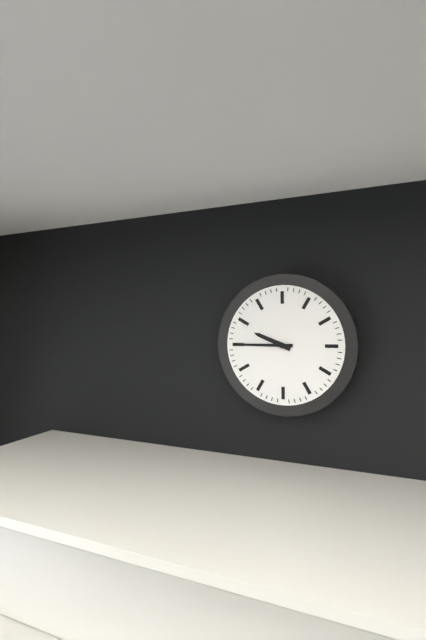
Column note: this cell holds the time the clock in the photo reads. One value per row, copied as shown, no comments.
9:45
